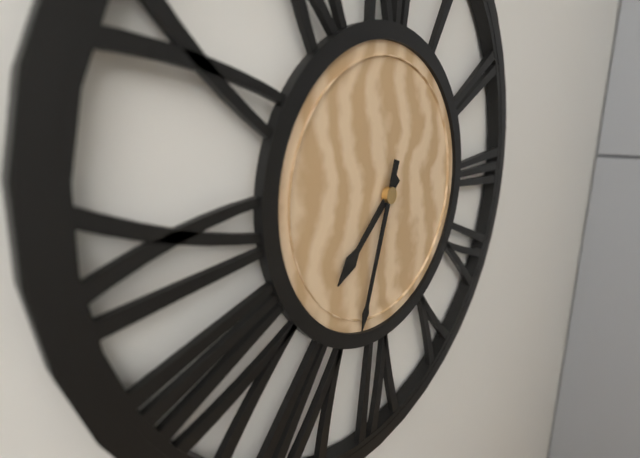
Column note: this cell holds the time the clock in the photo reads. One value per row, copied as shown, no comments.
7:33
